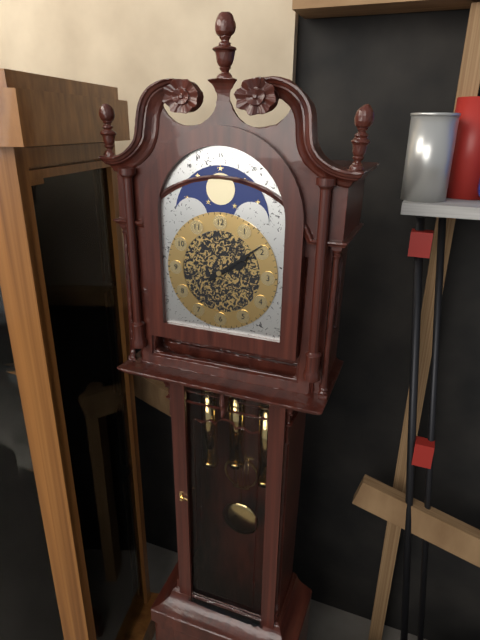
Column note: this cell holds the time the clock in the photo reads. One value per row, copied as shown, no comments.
2:09
